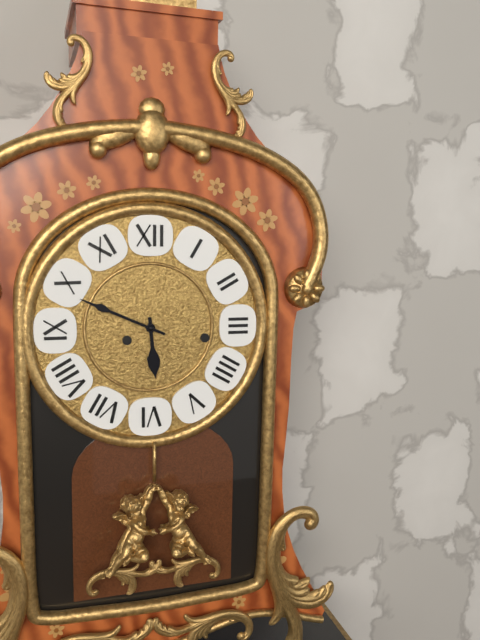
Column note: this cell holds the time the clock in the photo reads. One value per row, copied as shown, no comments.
5:49
